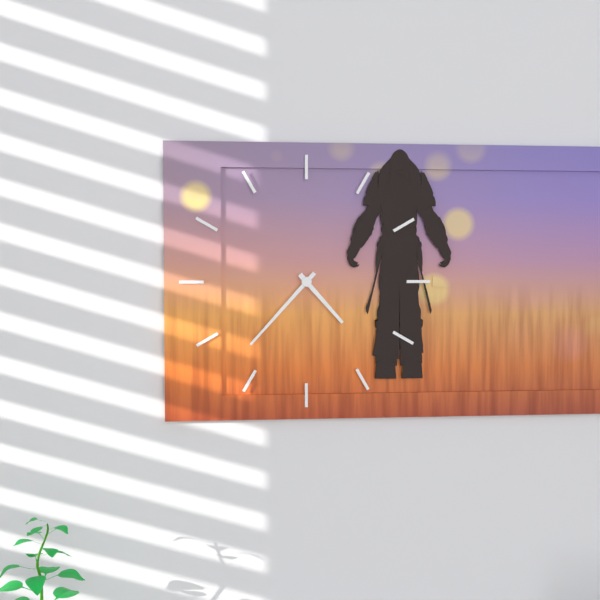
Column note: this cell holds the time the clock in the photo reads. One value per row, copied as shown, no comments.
4:37
